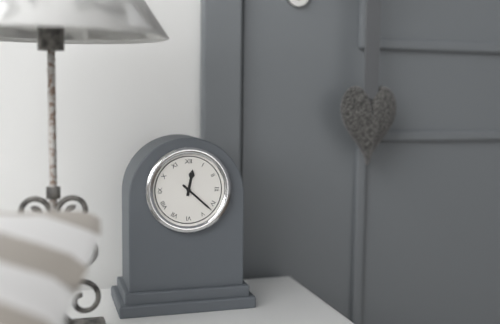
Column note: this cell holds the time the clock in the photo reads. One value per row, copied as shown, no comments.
12:22
